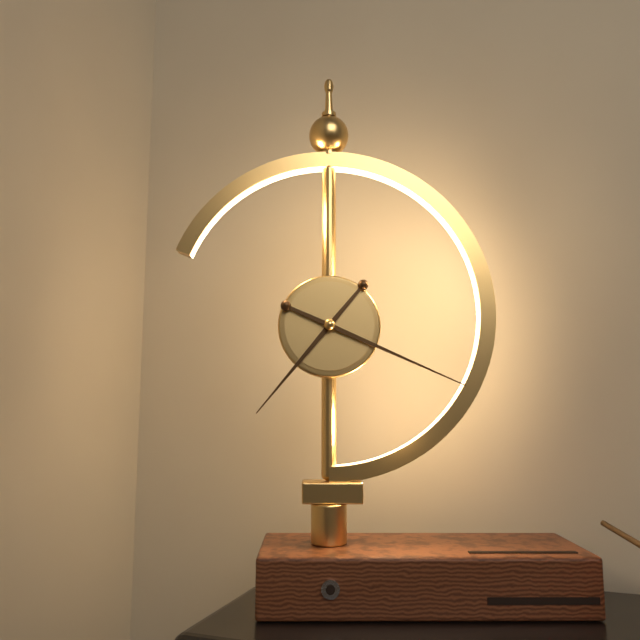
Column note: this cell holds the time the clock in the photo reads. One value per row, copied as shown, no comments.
7:19
